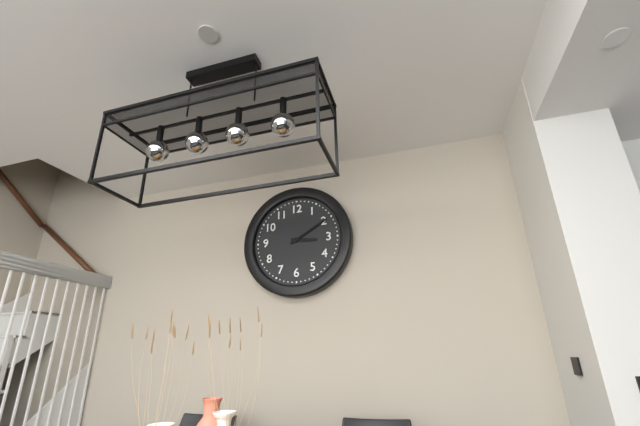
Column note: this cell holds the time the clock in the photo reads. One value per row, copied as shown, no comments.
3:10
